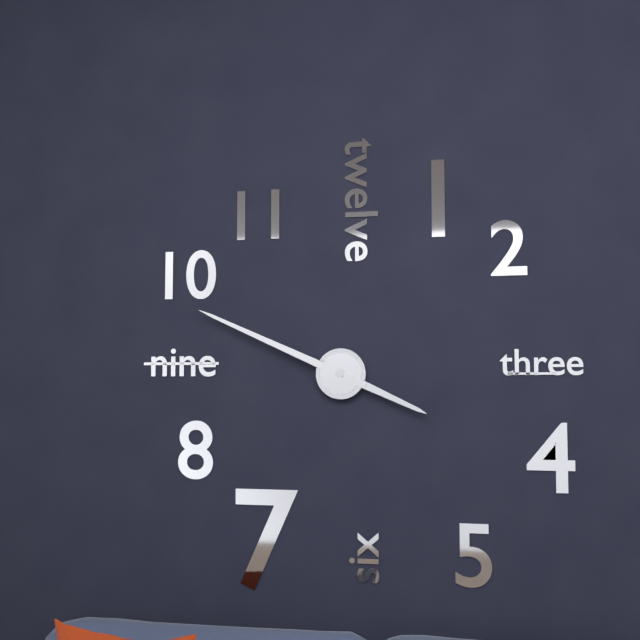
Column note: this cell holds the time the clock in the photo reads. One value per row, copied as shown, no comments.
3:49
